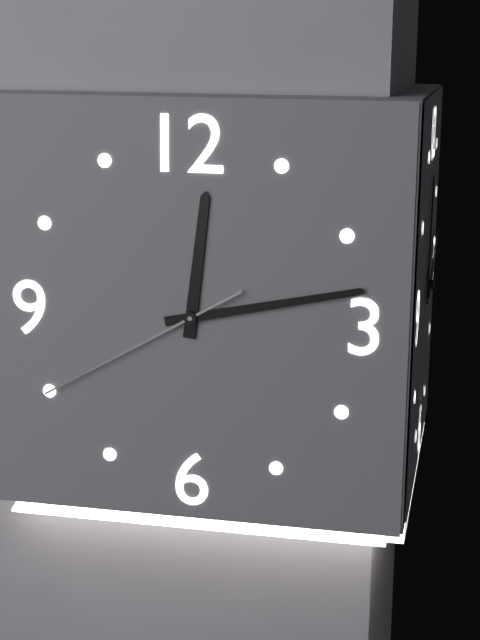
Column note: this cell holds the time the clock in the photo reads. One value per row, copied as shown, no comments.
12:13:40
